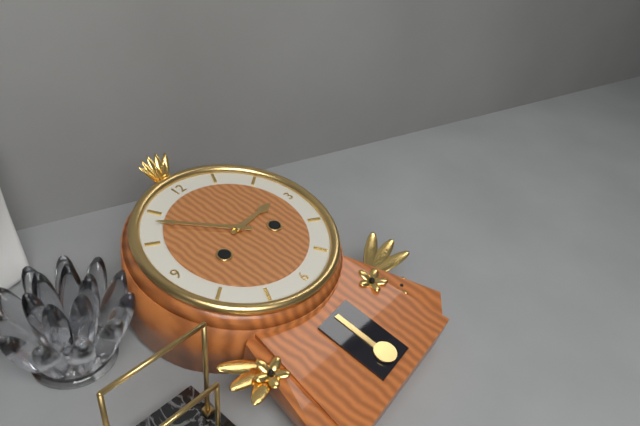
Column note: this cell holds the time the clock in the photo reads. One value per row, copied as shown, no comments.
2:53
